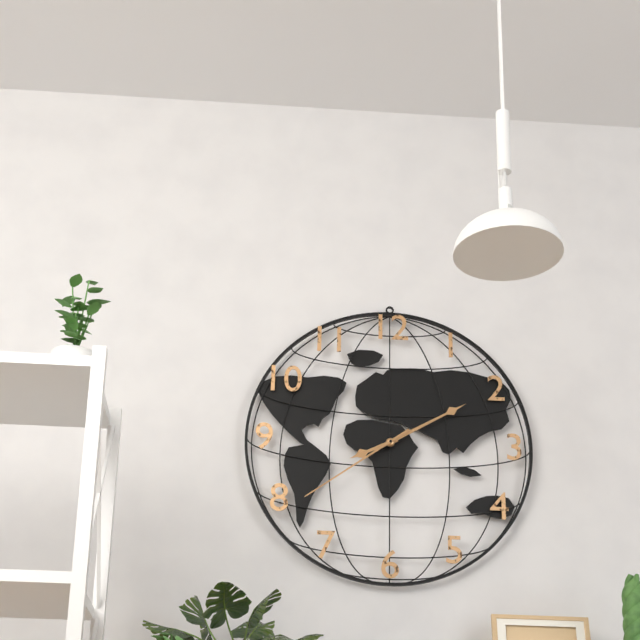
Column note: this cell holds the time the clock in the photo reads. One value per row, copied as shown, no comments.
8:10:39
